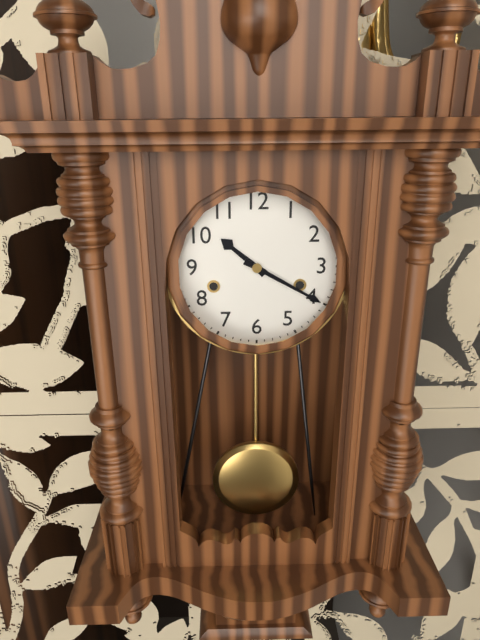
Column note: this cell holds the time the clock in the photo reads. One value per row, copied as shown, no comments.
10:20
